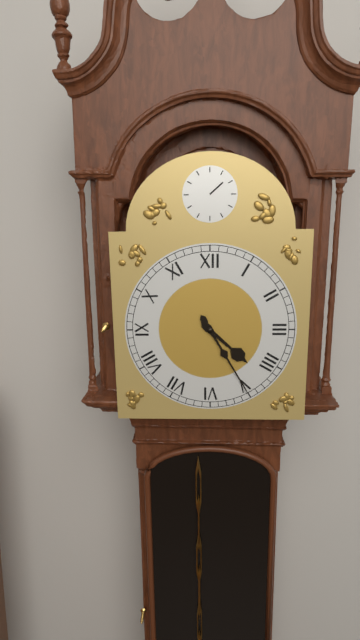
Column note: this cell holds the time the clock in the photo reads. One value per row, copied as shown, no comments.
4:25
